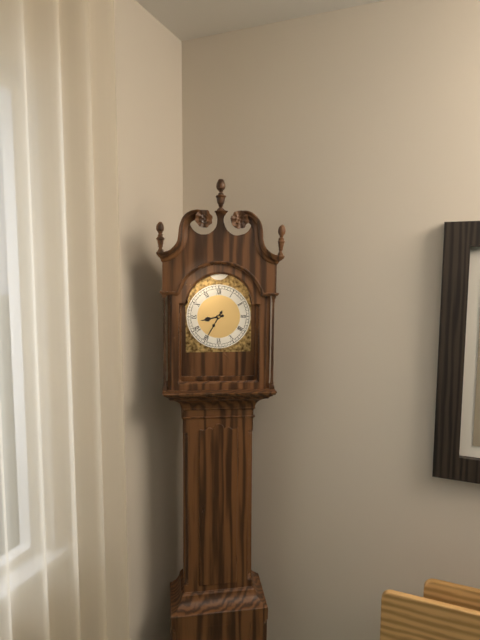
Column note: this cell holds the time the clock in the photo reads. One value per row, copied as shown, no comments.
8:35
